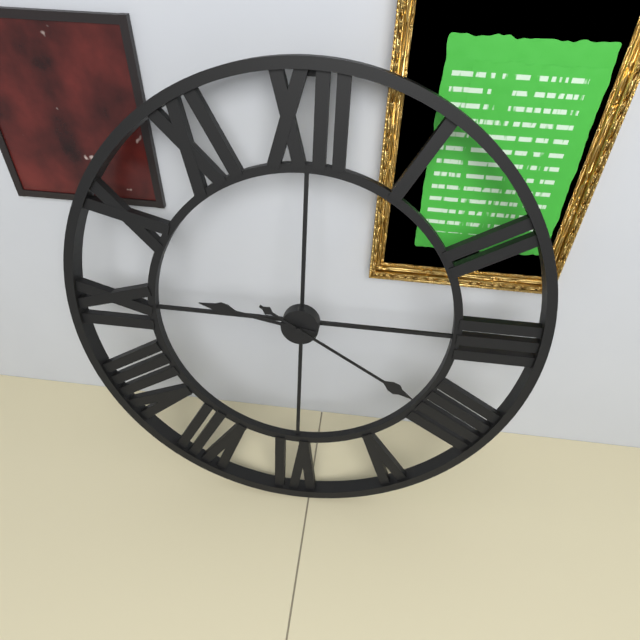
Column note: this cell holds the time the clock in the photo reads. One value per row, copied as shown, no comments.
9:20
